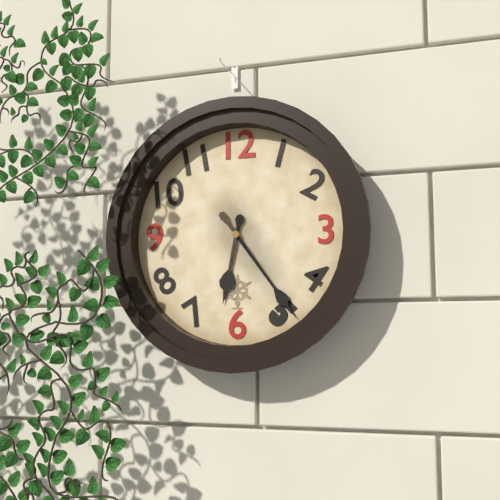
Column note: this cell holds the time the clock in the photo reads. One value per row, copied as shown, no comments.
6:24
